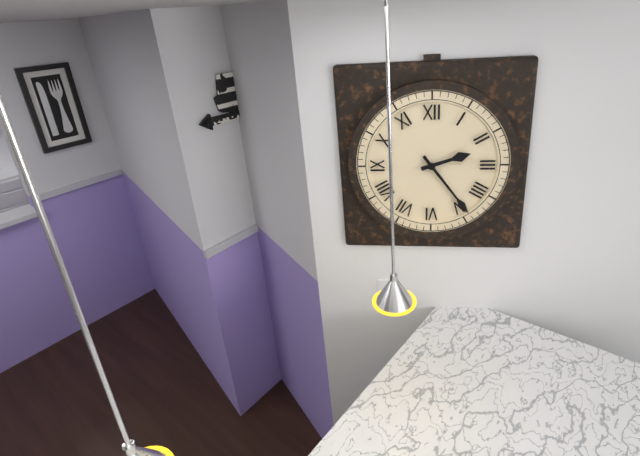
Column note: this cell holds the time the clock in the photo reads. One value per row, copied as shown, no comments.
2:24
